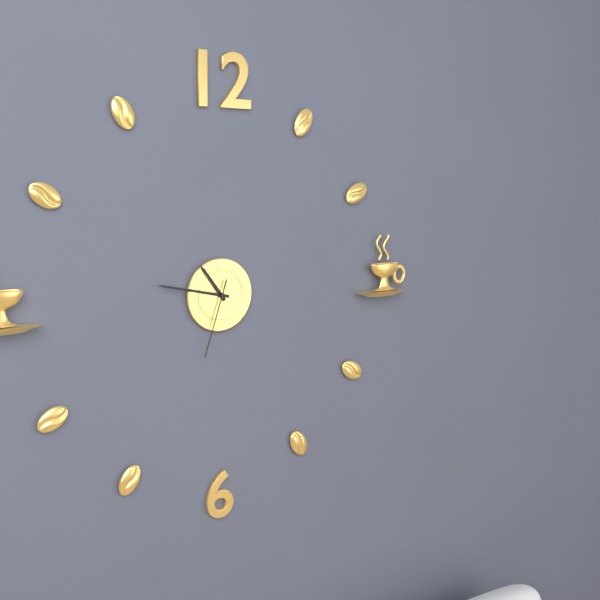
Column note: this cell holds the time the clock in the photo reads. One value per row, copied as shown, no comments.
10:47:33
